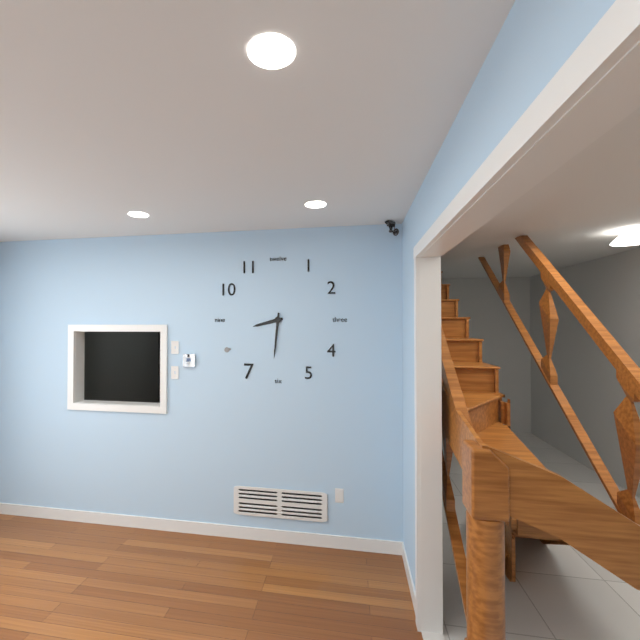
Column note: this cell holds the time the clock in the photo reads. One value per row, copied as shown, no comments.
8:31
